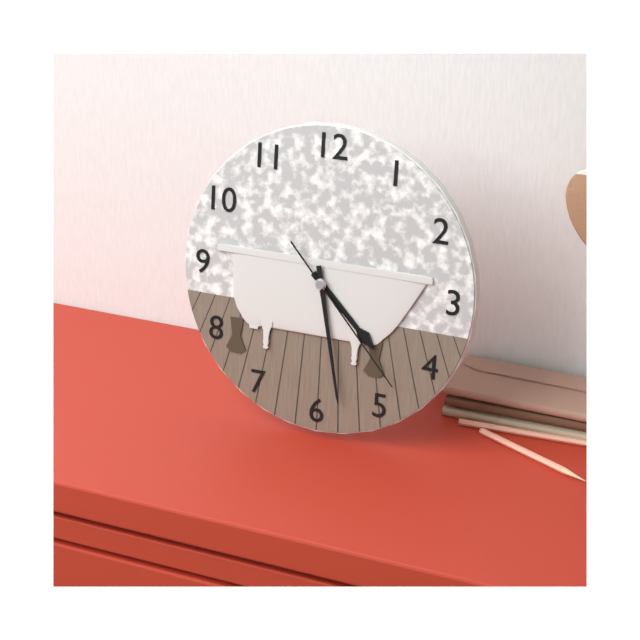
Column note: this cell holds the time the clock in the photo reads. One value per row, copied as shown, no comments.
4:28:23
